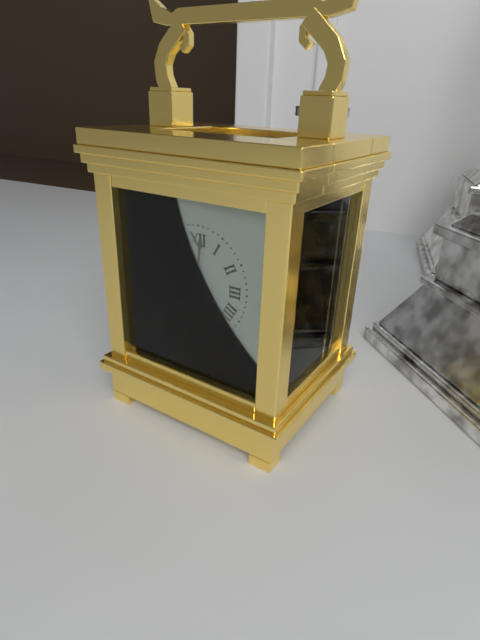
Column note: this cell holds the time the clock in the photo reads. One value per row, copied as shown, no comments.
8:01
